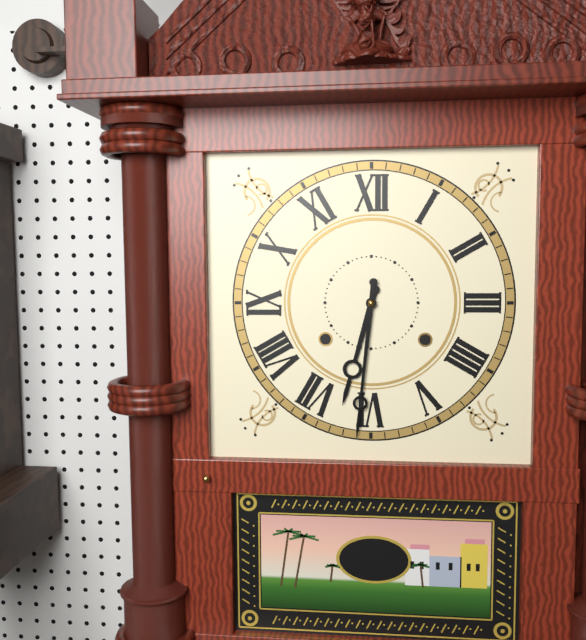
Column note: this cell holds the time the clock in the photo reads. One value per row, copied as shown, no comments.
6:31
